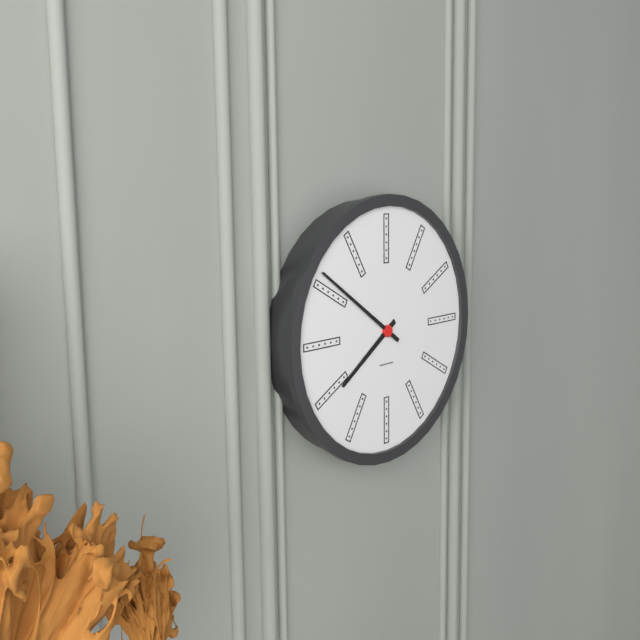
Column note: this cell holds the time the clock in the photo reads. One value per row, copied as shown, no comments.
7:51
